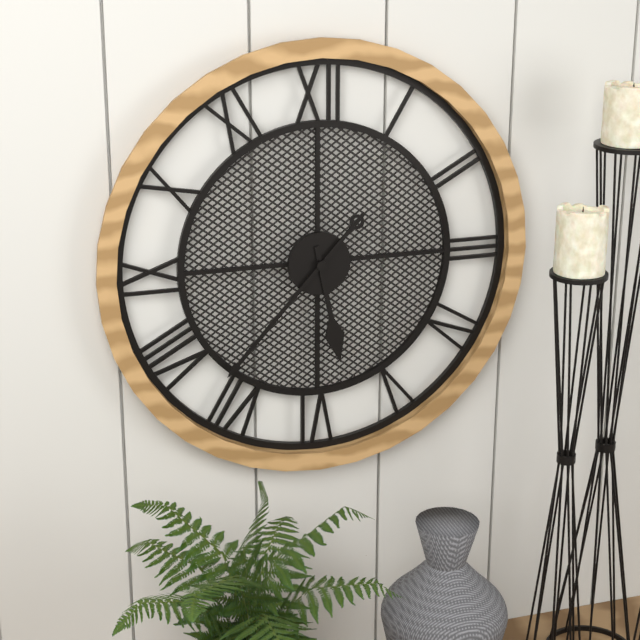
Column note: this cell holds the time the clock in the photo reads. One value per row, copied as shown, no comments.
5:37
